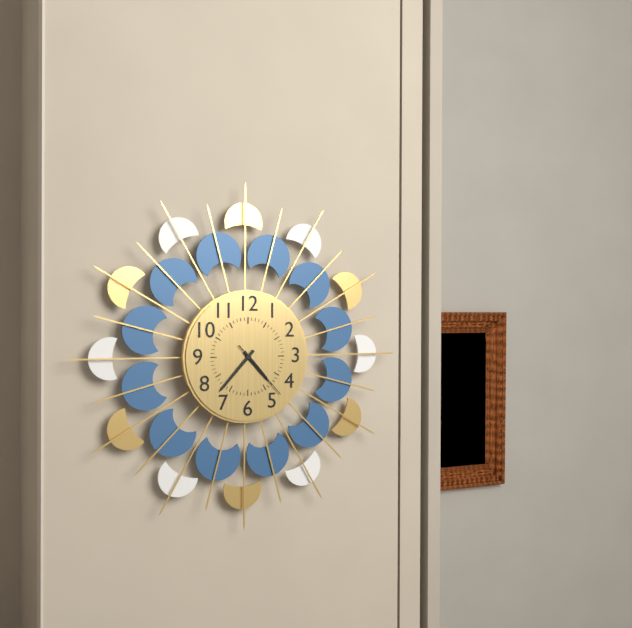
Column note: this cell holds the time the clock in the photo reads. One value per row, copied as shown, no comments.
4:37:23
